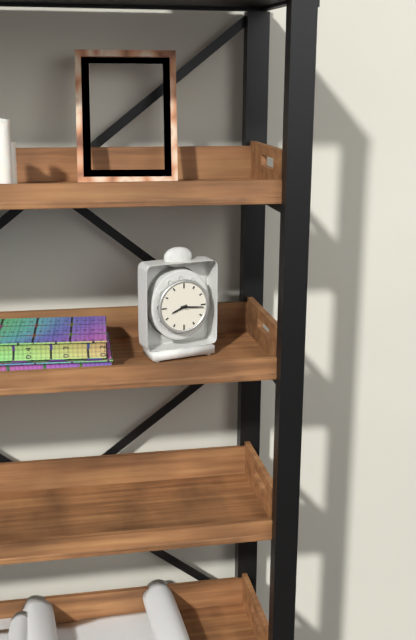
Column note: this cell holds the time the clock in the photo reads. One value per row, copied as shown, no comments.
8:16
